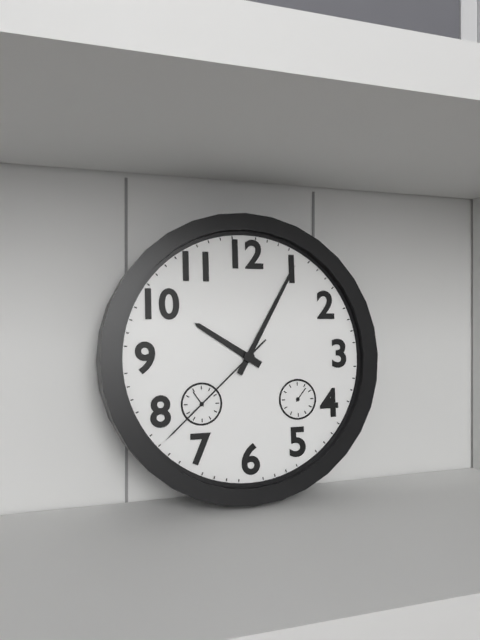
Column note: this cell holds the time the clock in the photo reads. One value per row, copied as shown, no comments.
10:05:38
